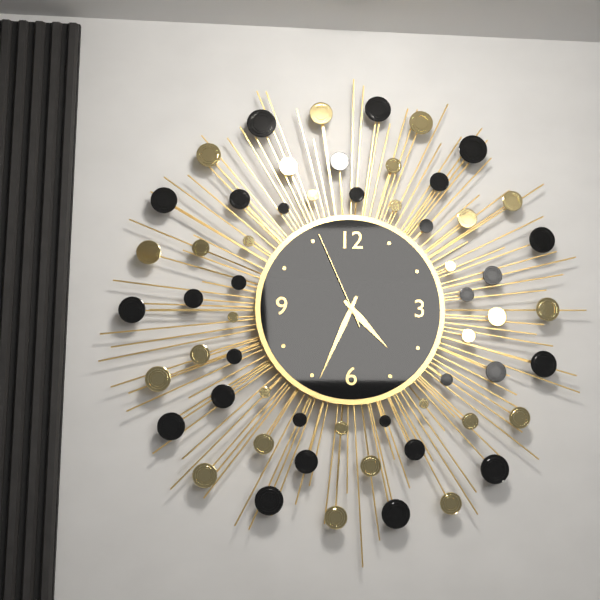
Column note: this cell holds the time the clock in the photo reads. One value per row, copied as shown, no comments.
4:34:56
